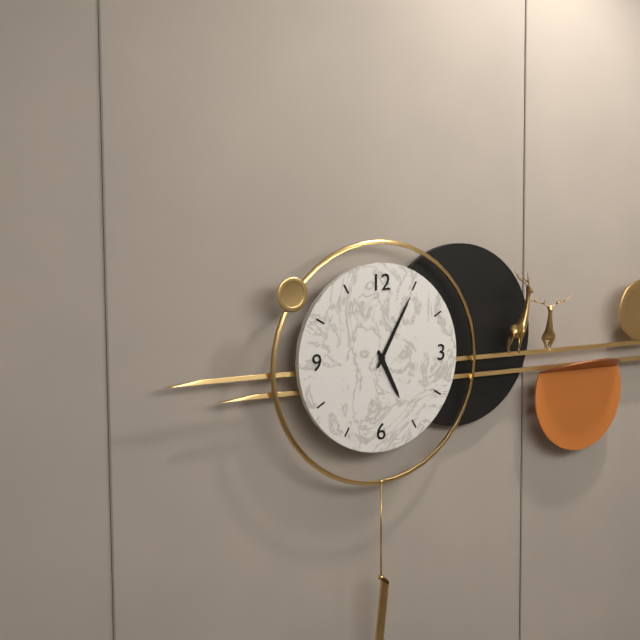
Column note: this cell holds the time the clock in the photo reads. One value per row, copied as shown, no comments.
5:05
